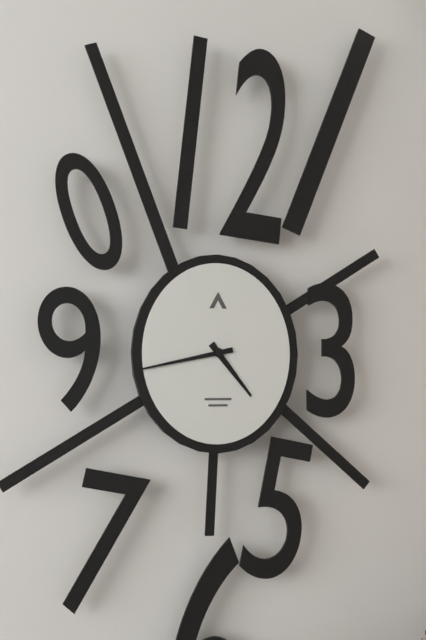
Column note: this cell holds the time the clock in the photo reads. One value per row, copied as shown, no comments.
4:43
